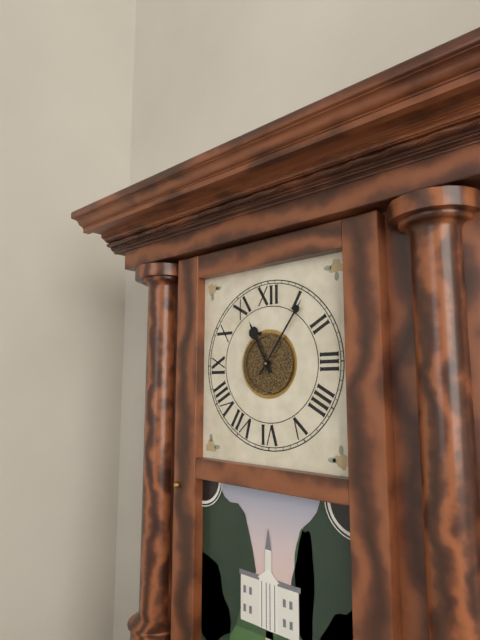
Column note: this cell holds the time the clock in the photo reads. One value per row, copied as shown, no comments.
11:06
